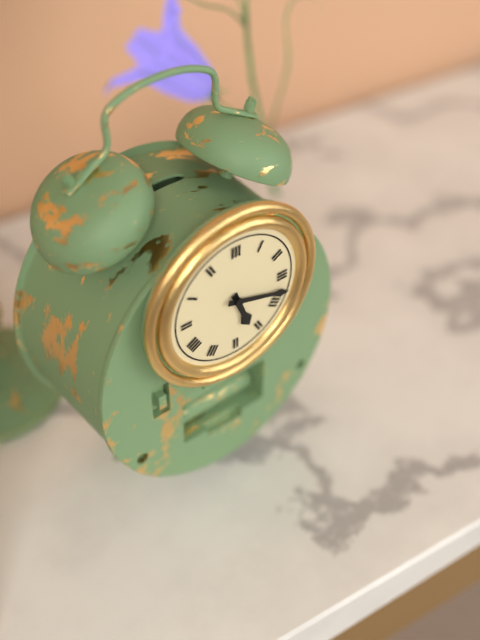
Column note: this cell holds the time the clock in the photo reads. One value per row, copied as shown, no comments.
5:18
